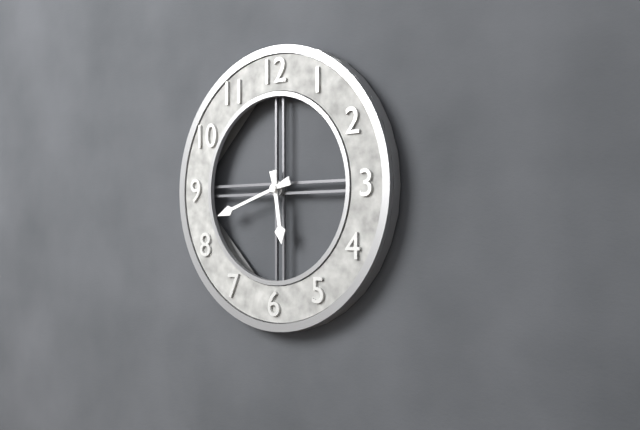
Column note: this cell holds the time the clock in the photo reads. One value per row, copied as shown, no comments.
5:42
